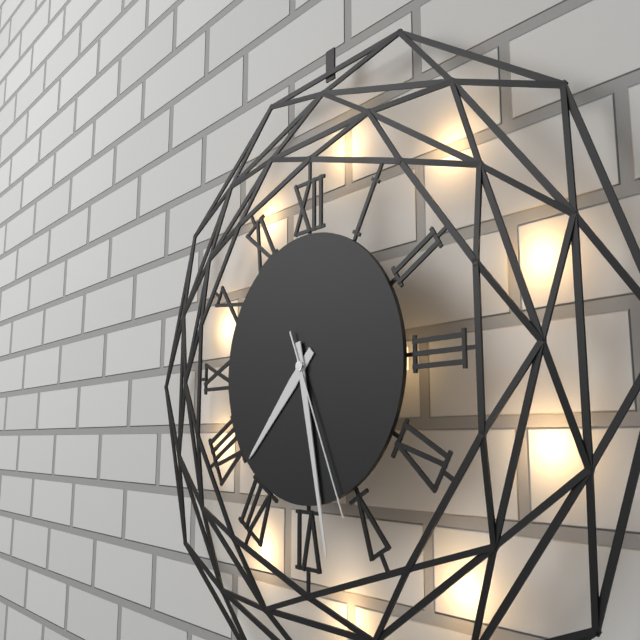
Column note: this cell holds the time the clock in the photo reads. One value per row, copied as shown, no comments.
7:28:26
